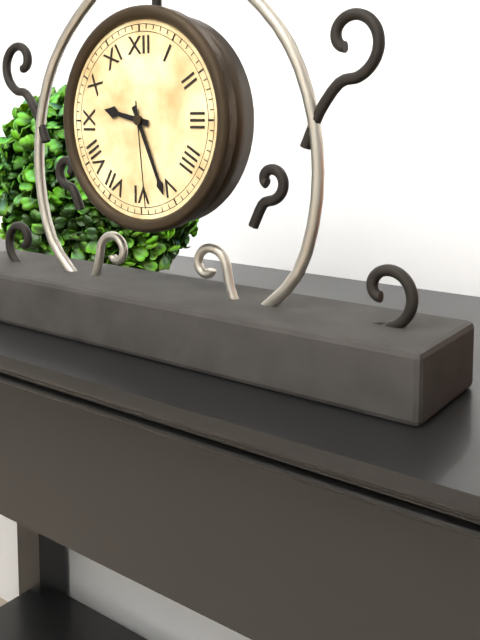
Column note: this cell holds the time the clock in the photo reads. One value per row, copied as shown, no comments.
9:26:29
